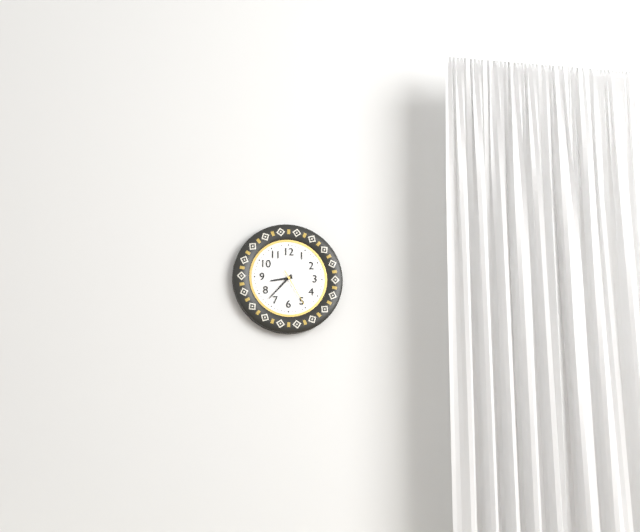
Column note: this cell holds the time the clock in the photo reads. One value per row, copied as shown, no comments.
8:37
